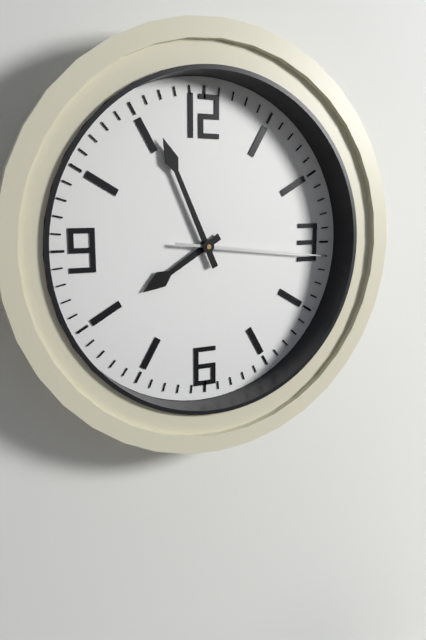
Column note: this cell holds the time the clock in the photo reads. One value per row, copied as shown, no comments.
7:56:16
